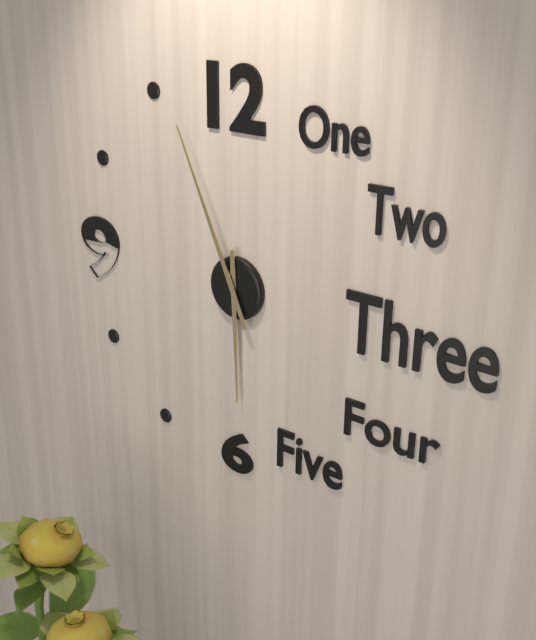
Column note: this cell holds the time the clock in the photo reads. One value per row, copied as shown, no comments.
5:56
